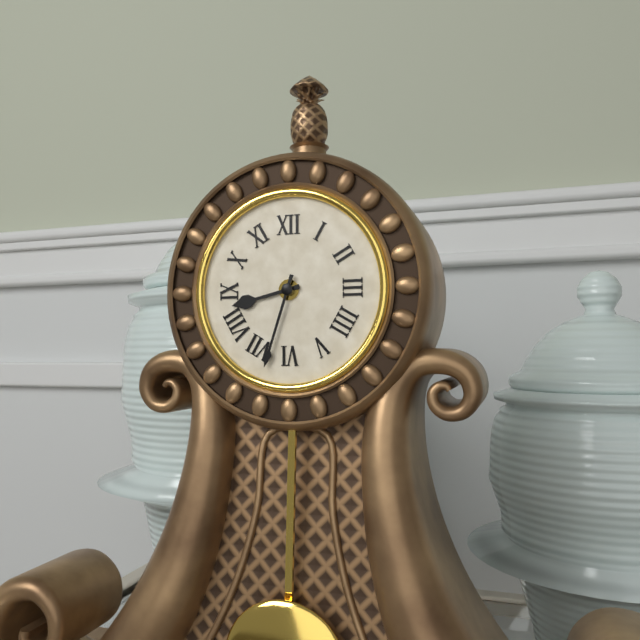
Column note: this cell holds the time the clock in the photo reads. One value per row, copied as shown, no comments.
8:33
